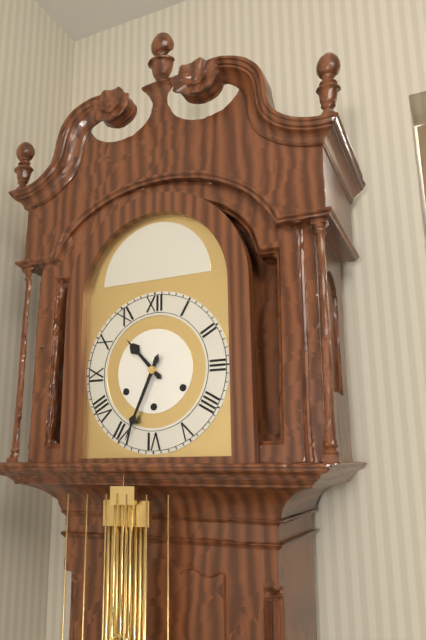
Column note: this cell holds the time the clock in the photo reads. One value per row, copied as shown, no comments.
10:34
